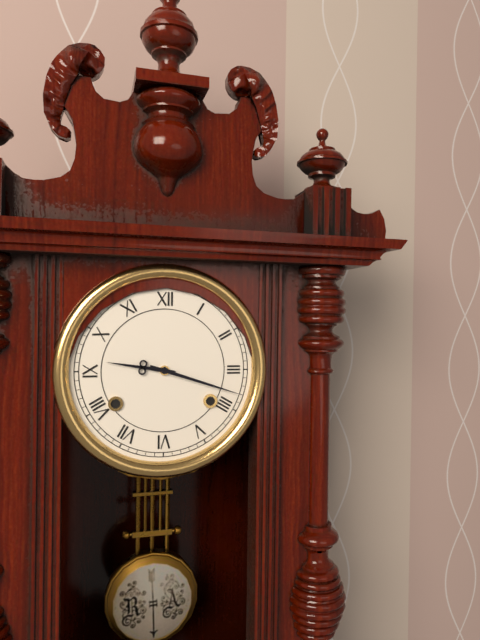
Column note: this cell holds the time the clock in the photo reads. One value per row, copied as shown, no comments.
9:18
